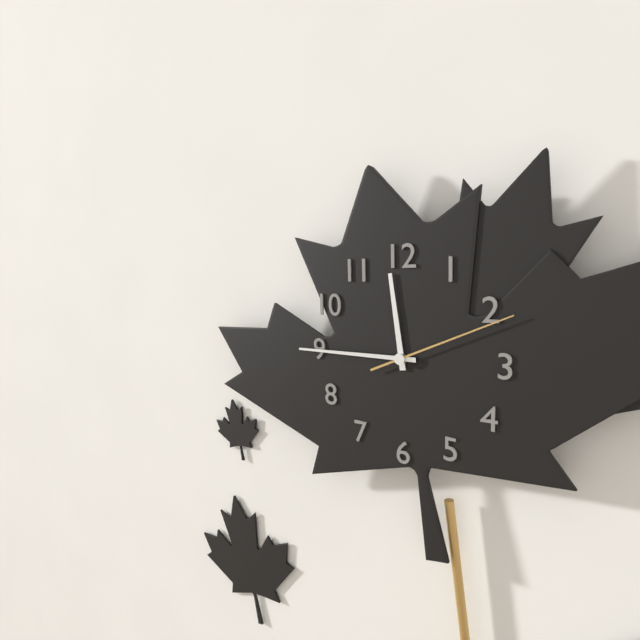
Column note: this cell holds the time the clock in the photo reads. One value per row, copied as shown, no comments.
11:45:11
